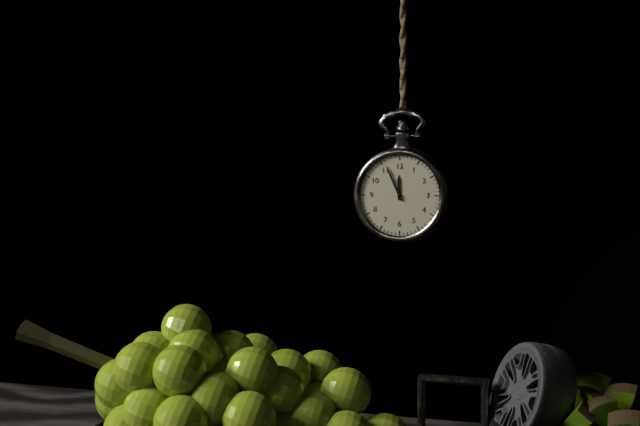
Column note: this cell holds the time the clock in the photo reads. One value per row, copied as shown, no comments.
11:56
